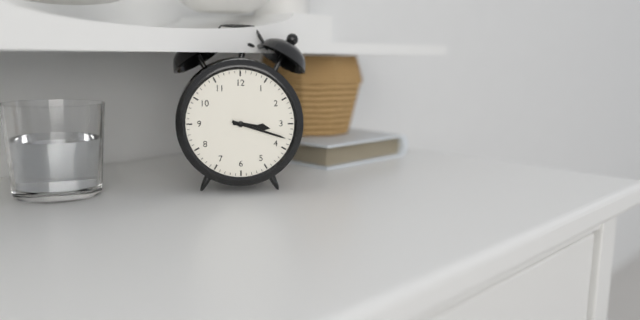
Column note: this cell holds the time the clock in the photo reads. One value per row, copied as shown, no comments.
3:18
